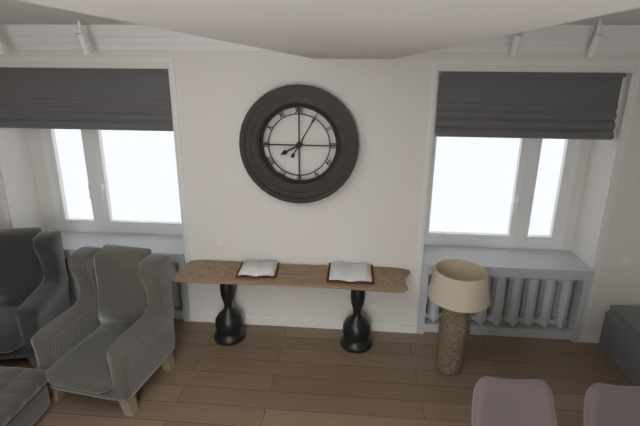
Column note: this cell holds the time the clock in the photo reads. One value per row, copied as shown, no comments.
8:05
